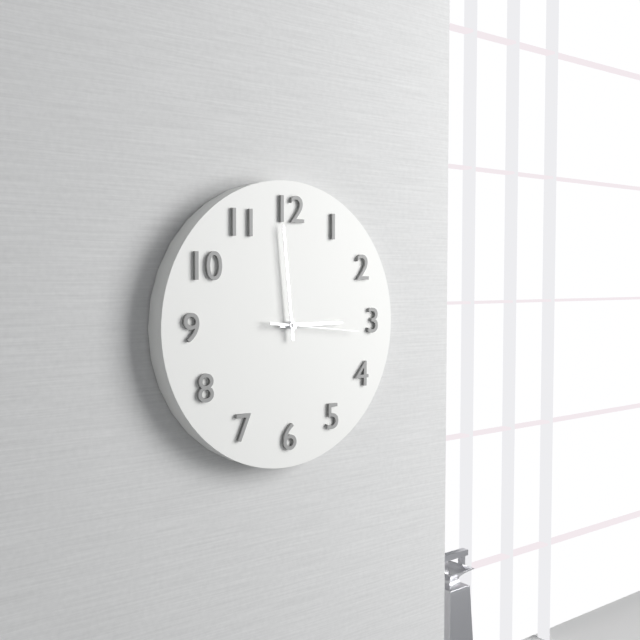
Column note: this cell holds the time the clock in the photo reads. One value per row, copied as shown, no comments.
2:59:16
